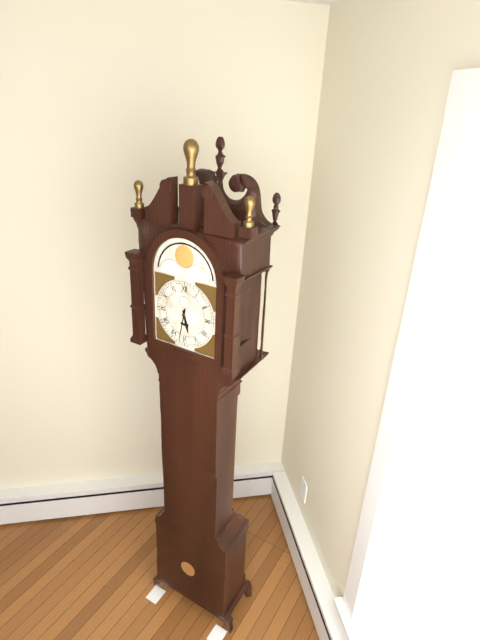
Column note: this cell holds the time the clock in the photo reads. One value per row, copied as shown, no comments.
5:32
